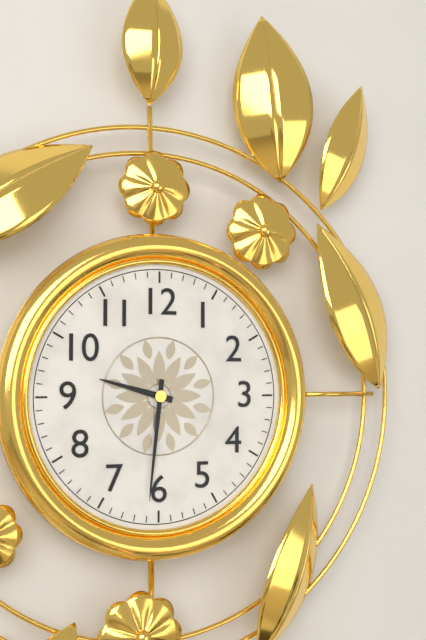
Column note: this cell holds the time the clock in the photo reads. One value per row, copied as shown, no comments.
9:31
